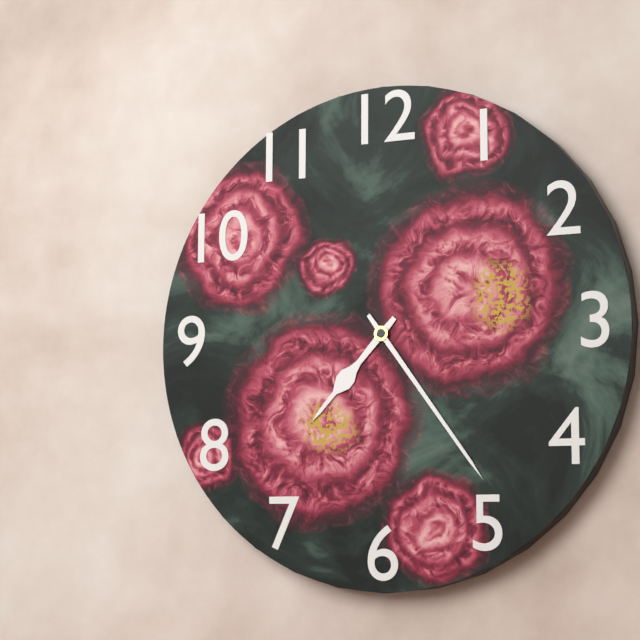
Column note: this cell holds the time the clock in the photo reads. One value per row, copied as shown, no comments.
7:24
